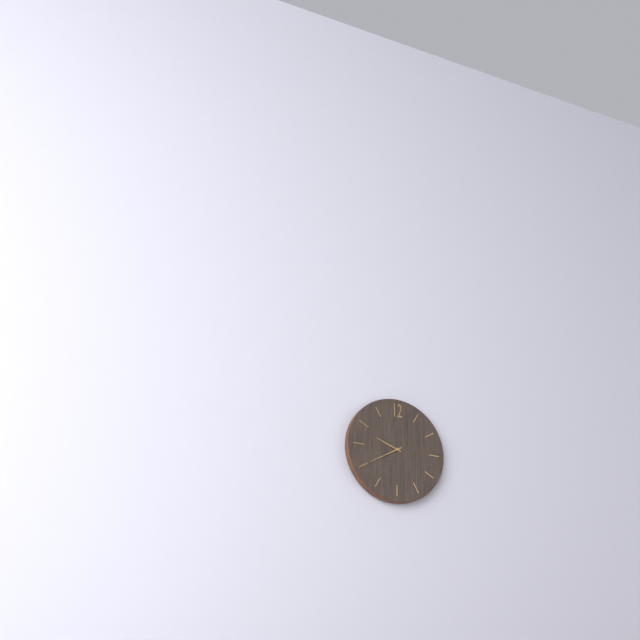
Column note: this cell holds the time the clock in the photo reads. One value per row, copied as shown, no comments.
9:40
